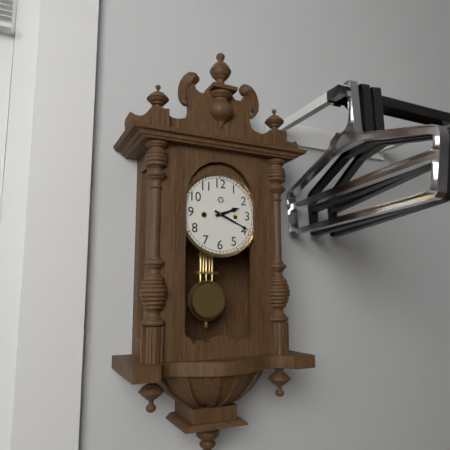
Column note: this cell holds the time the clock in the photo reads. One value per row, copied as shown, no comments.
2:19
